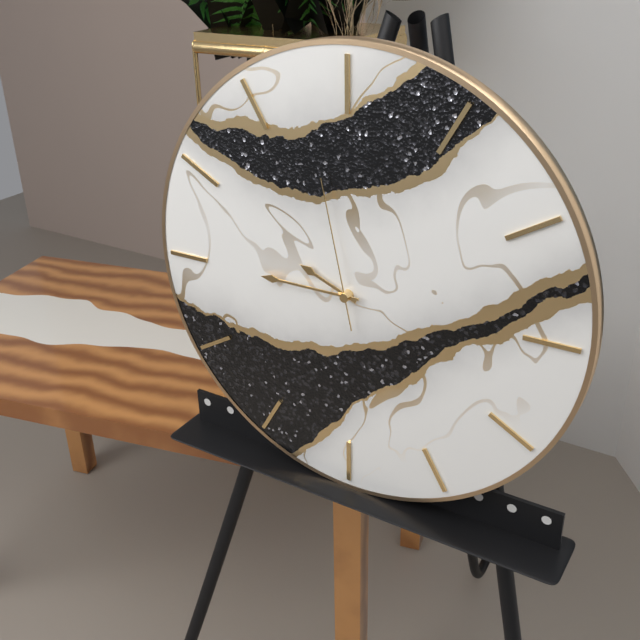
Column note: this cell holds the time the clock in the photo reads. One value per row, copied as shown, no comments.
9:45:58
